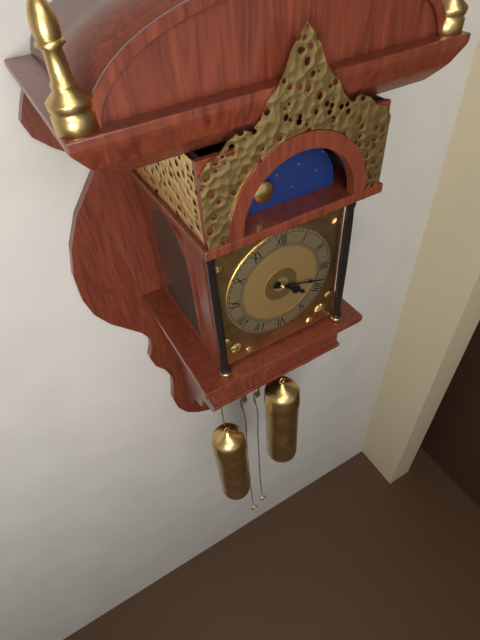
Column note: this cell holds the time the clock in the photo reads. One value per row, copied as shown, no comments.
4:18
